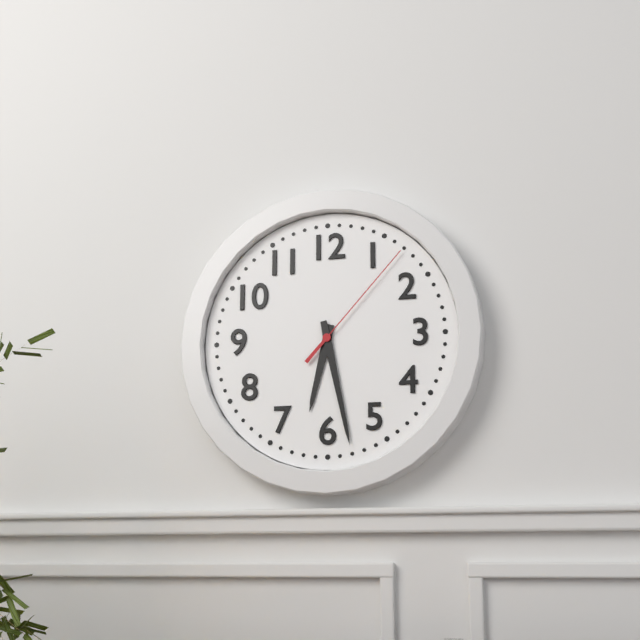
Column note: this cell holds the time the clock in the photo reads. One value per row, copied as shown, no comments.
6:28:07
